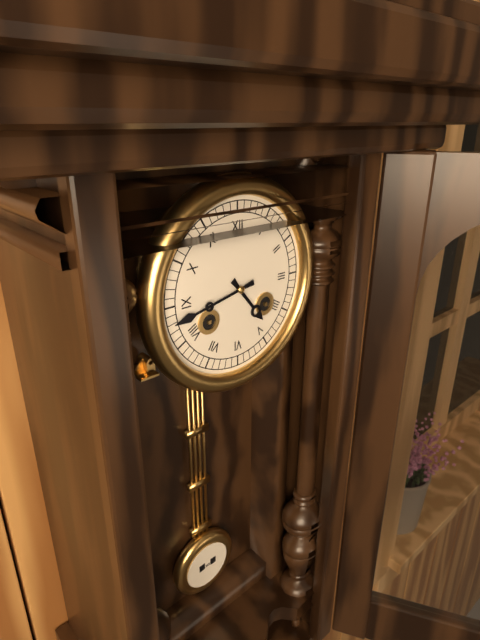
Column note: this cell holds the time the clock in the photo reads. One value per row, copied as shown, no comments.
4:43
